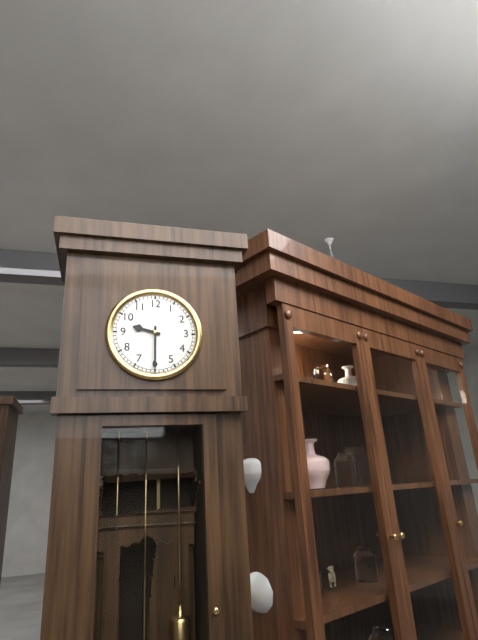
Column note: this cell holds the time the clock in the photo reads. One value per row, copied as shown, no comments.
9:30
